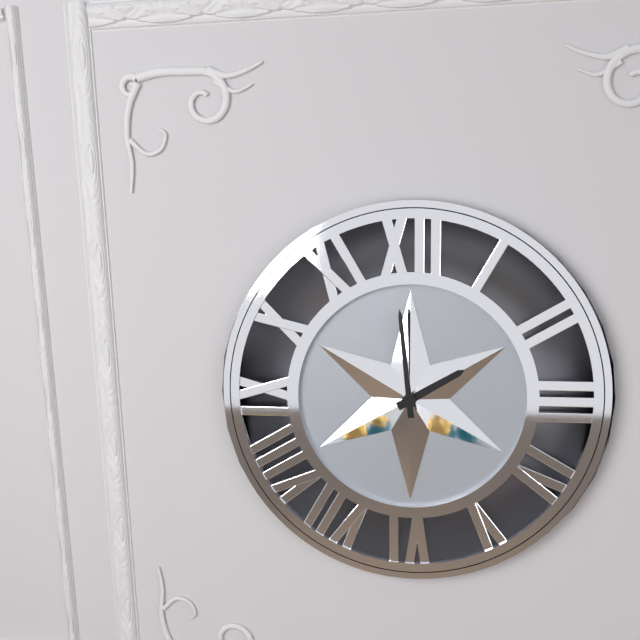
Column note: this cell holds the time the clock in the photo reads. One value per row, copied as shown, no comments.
1:59
